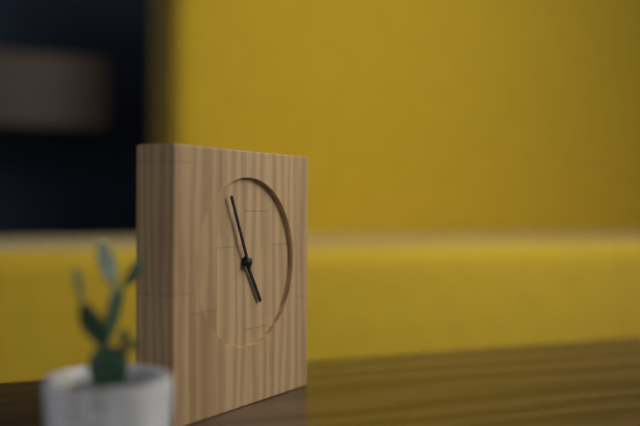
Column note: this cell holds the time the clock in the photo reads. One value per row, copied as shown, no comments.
4:56
